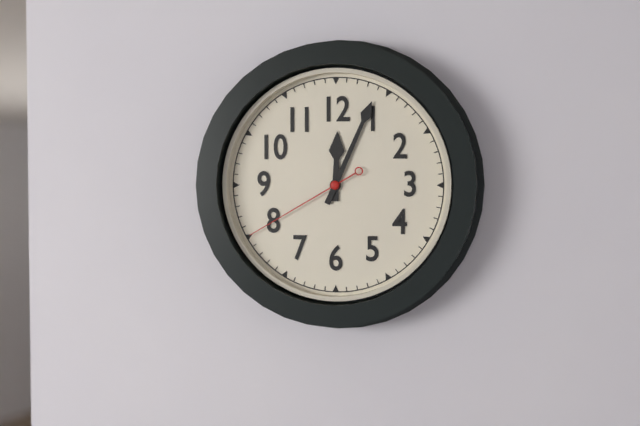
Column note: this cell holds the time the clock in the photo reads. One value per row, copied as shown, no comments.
12:04:40
